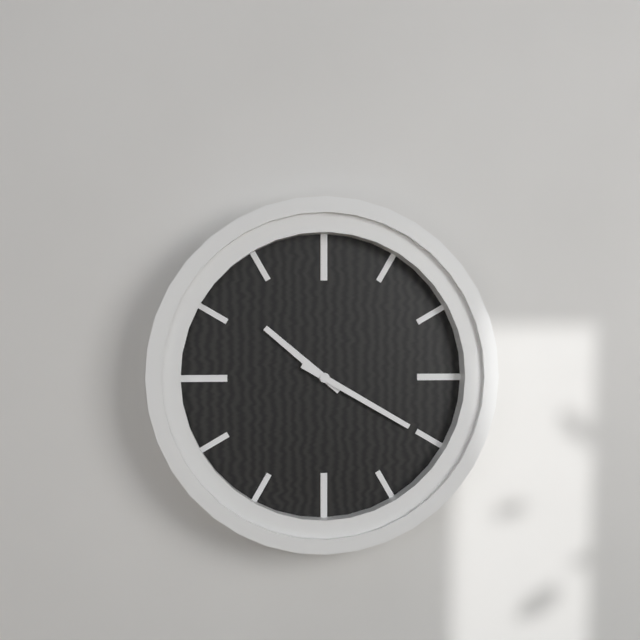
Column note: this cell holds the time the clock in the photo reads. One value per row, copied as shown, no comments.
10:20
